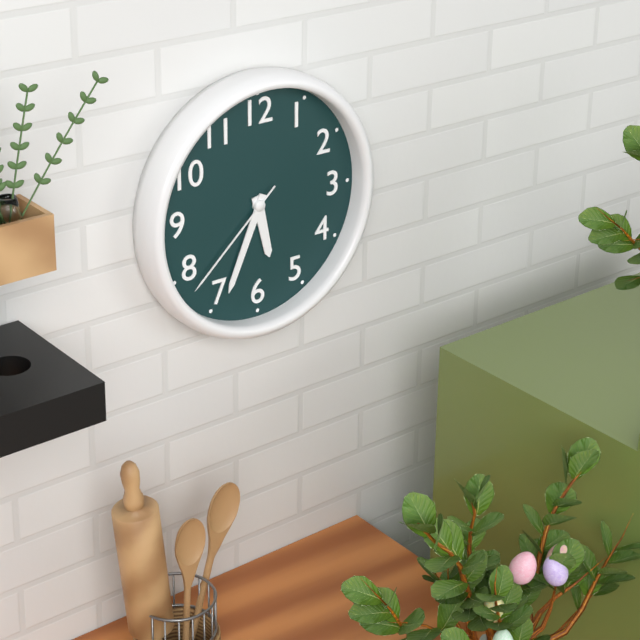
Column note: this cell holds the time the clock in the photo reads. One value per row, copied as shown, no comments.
5:34:38
